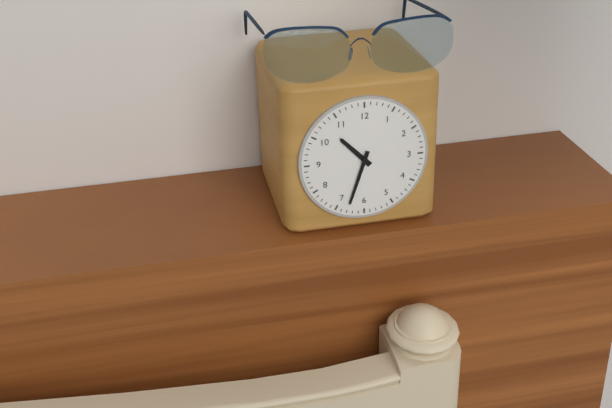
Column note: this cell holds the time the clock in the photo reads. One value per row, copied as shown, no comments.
10:33
